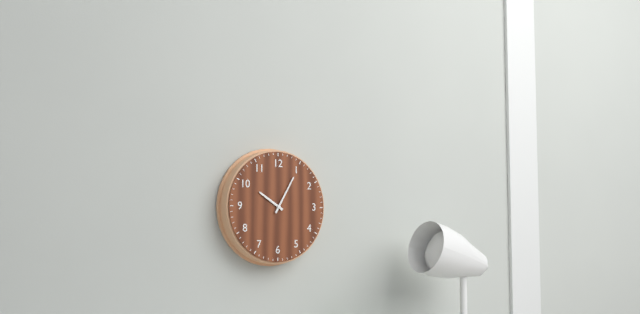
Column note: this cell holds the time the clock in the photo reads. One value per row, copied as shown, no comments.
10:05
